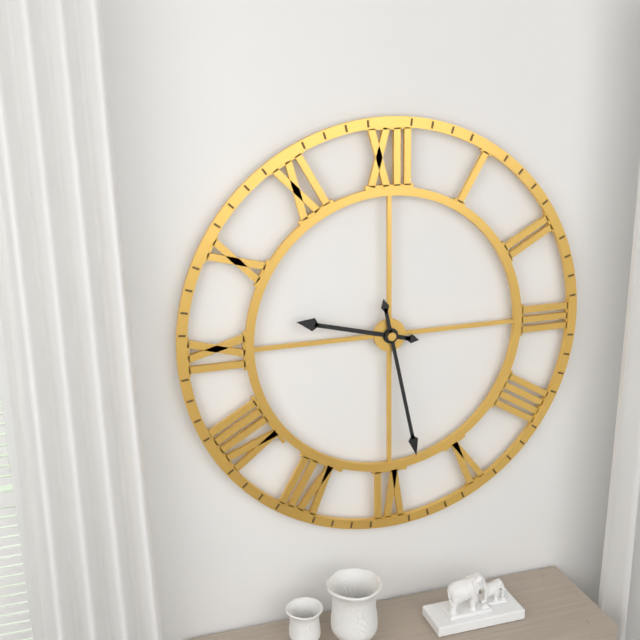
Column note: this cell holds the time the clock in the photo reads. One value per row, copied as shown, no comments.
9:28
